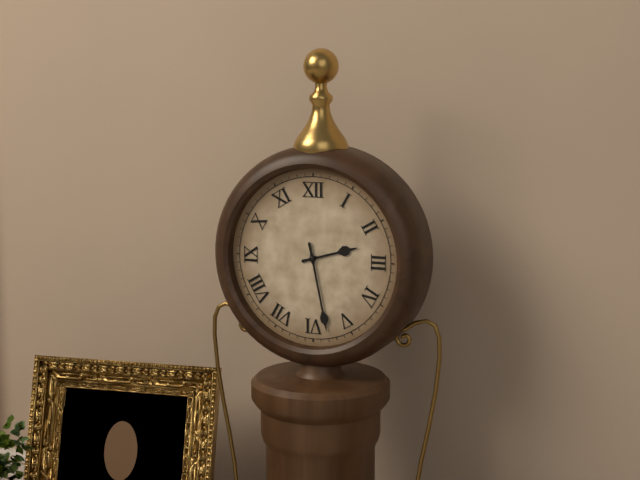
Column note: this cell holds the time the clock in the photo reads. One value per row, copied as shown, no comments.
2:28
